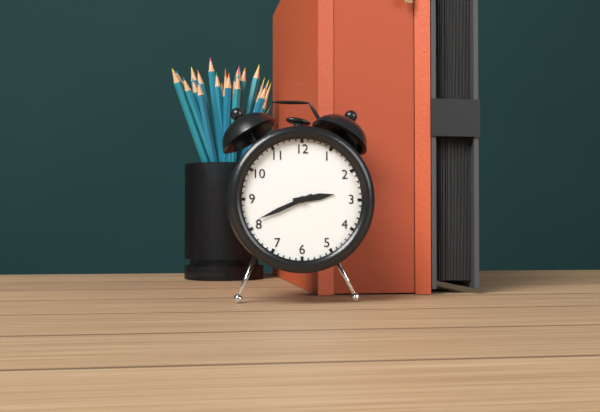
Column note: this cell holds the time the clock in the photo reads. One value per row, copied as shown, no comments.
2:41
